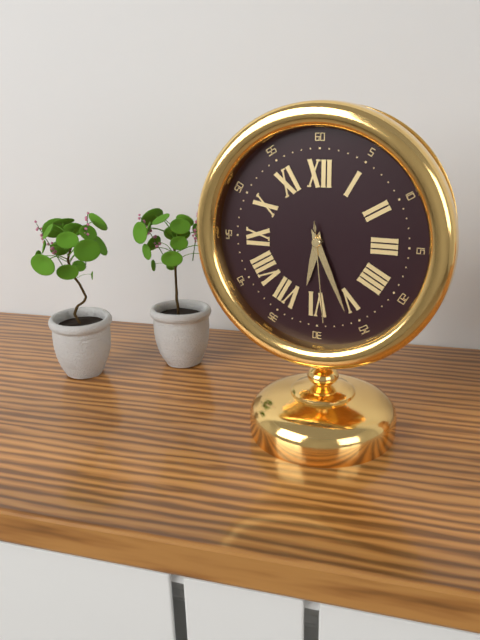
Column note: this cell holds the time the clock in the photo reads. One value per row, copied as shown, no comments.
6:26:29
